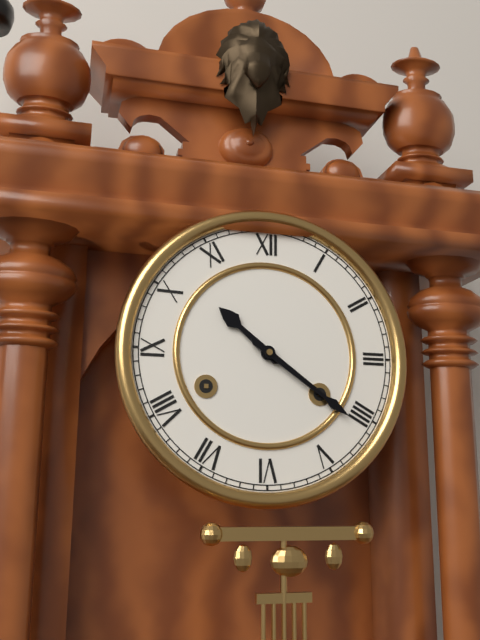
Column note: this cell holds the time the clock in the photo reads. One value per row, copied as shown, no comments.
10:21
